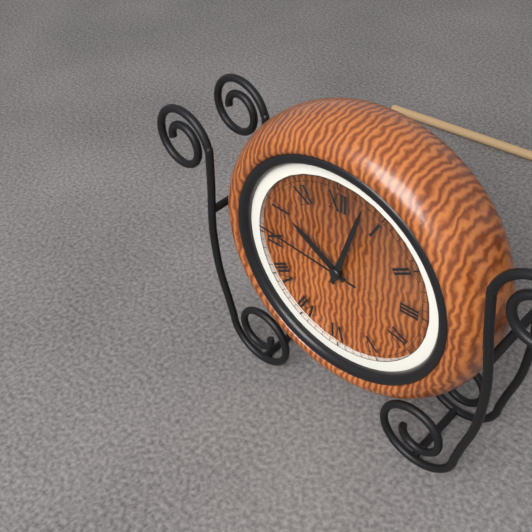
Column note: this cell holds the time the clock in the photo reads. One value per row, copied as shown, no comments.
10:03:46
